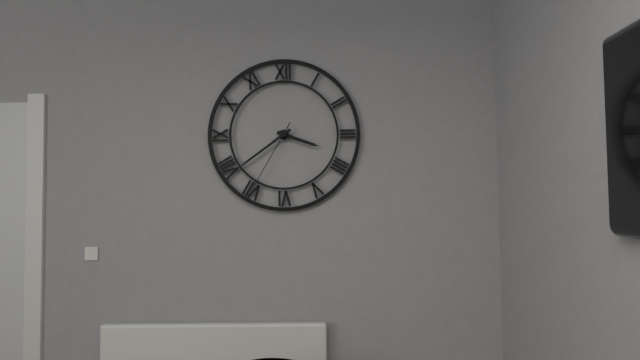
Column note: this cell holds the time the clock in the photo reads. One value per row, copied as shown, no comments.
3:39:35
